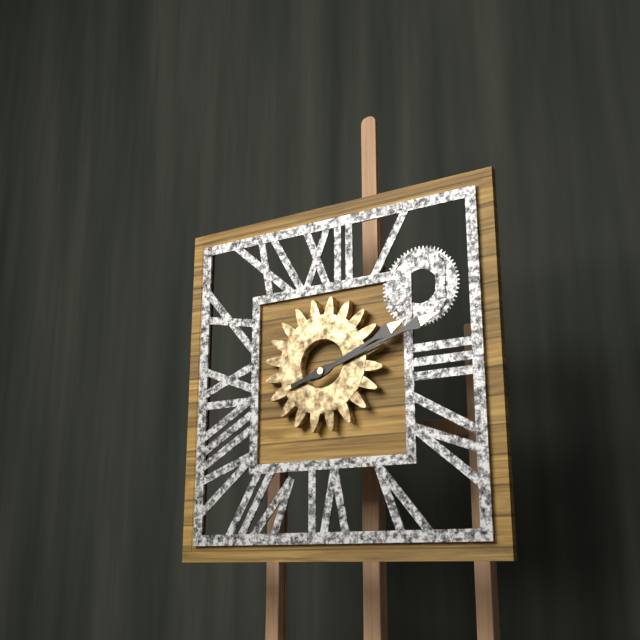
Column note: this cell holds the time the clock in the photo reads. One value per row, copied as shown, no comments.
2:12
